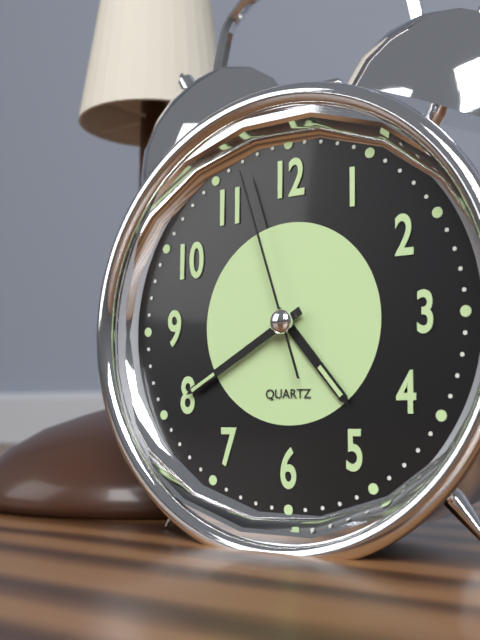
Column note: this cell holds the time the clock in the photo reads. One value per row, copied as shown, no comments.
4:40:57
